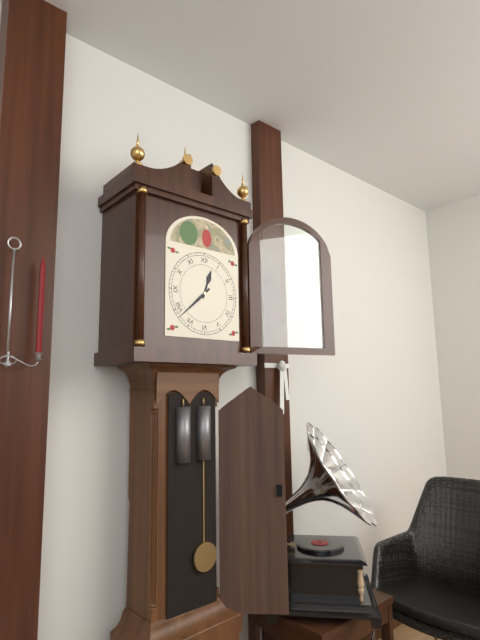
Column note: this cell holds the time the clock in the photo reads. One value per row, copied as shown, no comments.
12:38
